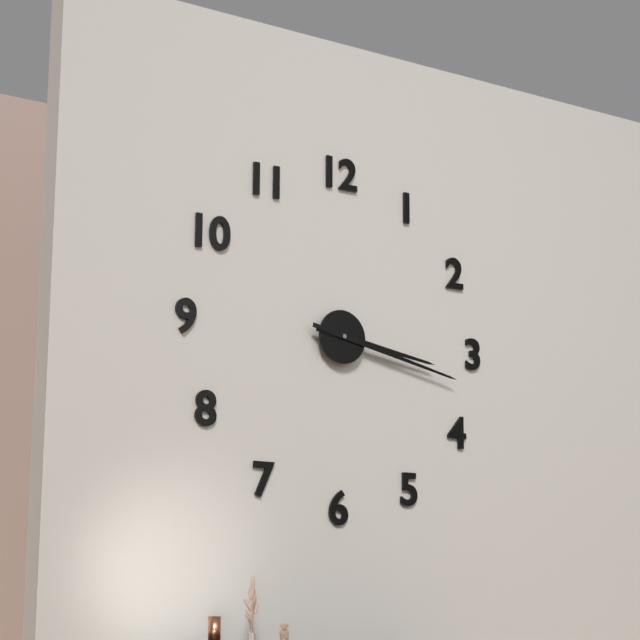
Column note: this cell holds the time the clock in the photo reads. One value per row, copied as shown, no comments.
3:17
